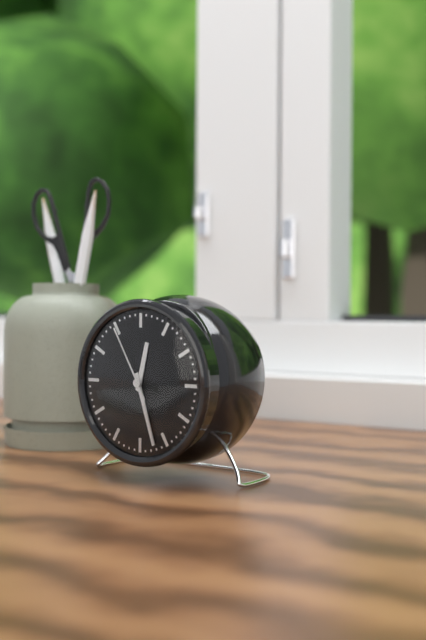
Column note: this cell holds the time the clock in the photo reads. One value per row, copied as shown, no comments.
12:27:55
